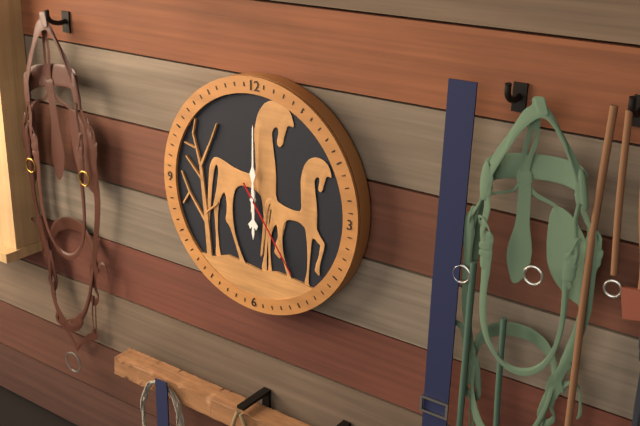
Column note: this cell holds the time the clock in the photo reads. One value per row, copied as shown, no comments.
6:00:24
